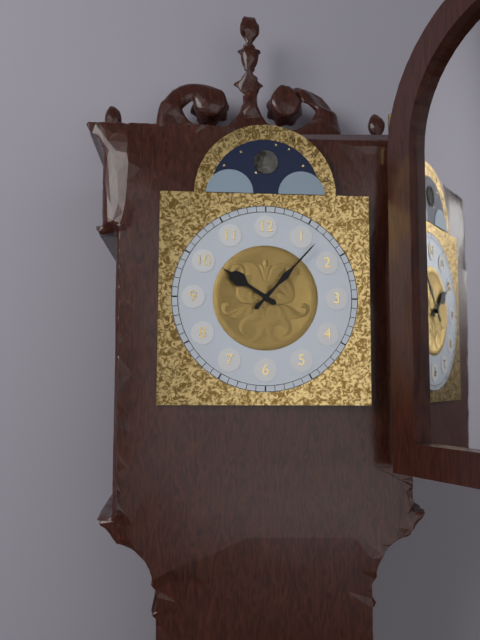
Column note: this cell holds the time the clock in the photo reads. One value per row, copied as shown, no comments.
10:07
